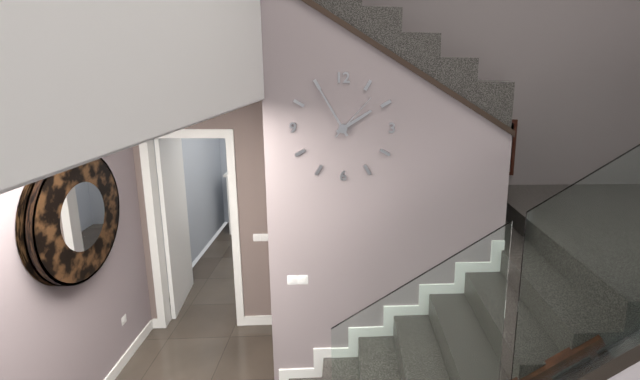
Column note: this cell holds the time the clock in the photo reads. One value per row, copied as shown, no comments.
1:55:07
